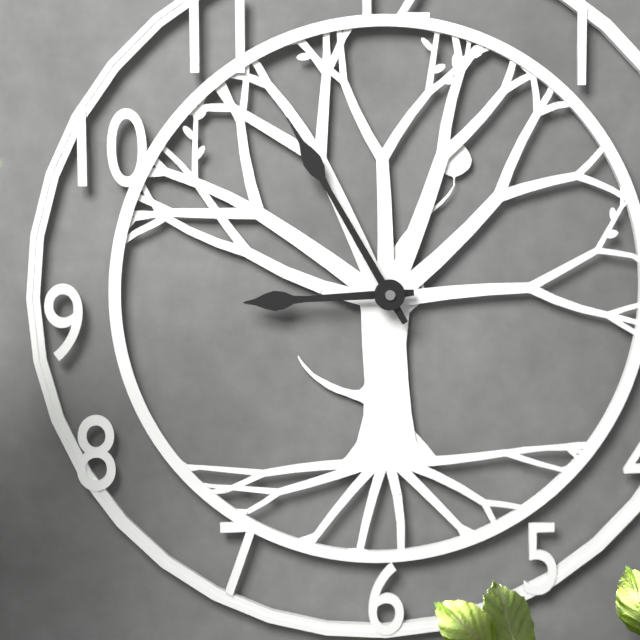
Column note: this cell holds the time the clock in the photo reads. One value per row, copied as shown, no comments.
8:55
